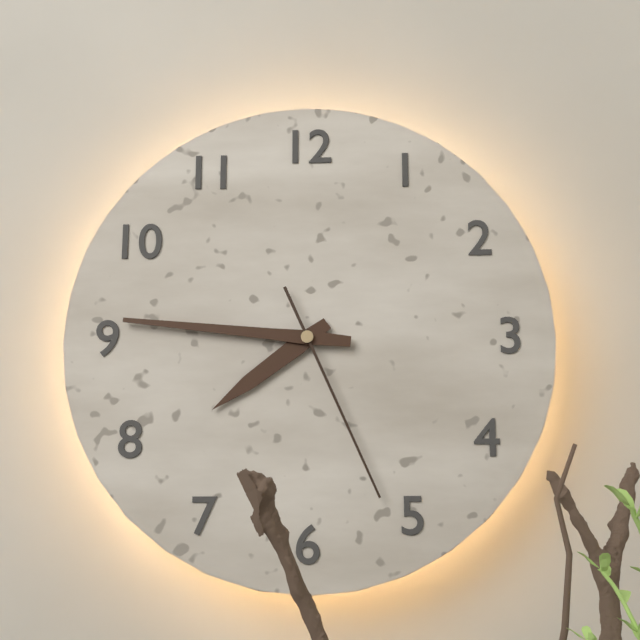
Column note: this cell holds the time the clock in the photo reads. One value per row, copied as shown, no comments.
7:46:26
